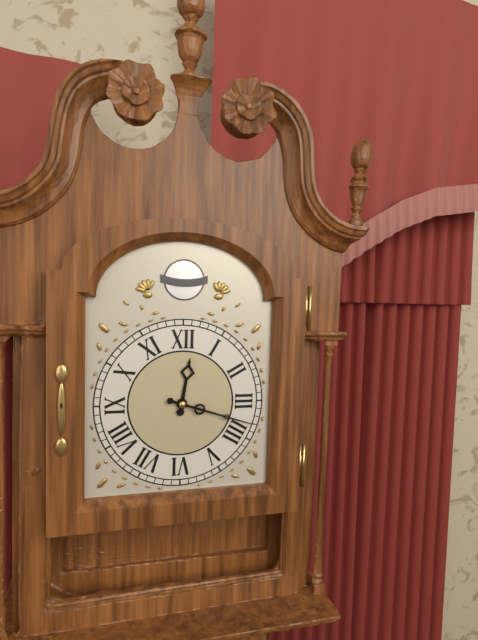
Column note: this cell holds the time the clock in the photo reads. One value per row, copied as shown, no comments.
12:18
